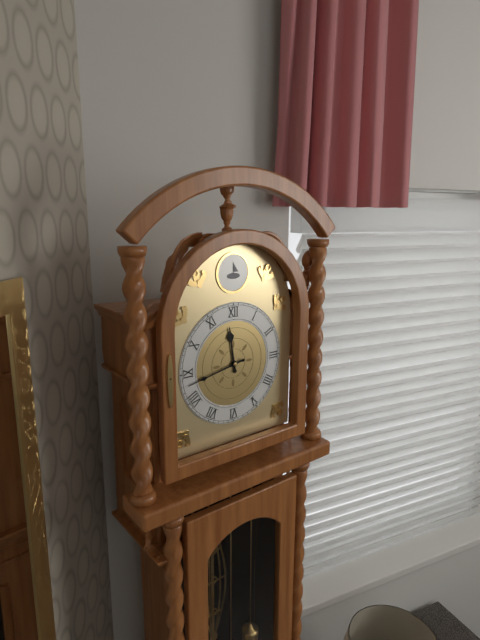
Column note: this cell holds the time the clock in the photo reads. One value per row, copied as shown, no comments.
11:43
